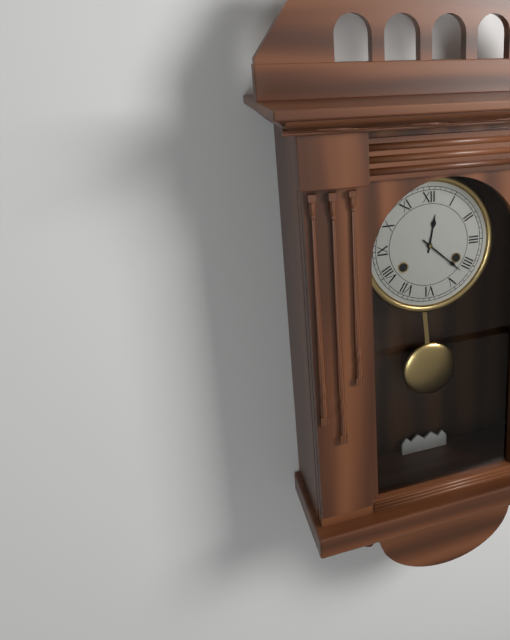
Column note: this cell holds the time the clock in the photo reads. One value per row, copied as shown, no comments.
12:22
